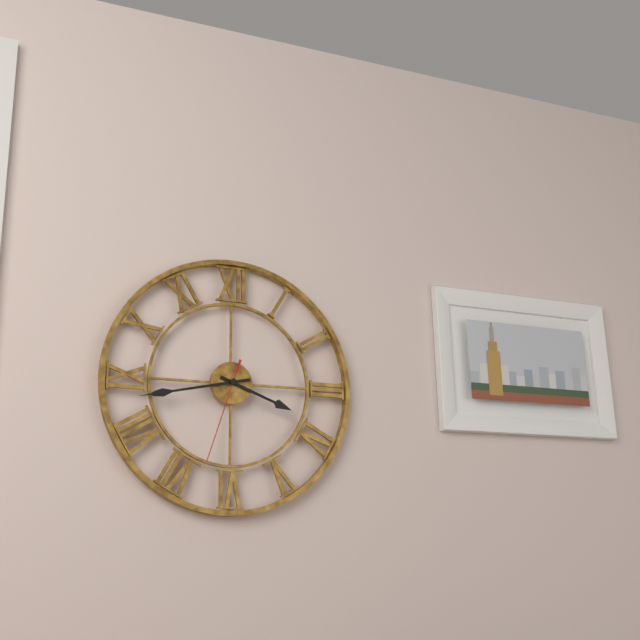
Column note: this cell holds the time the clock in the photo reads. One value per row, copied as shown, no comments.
3:43:33
